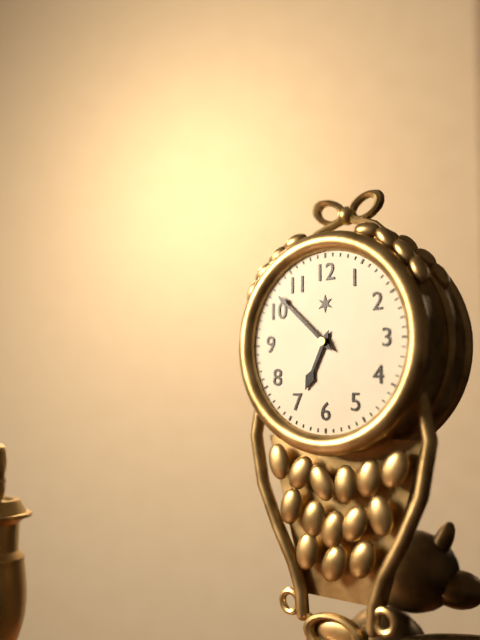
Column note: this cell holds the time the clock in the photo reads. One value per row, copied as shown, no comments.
6:52
